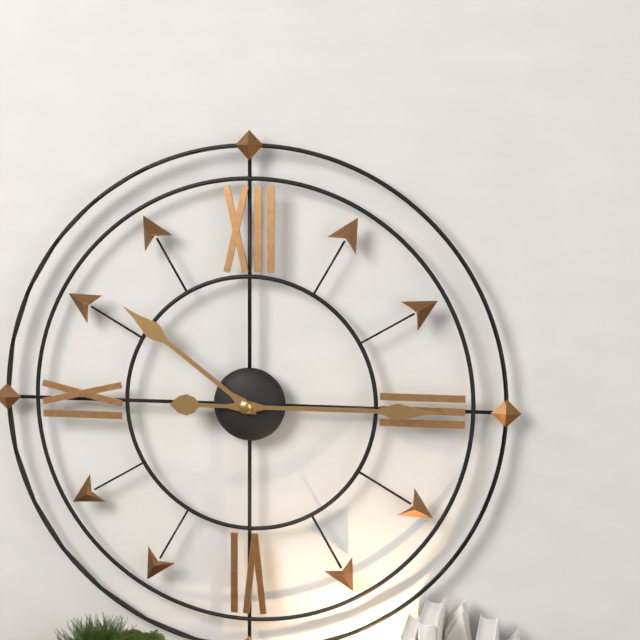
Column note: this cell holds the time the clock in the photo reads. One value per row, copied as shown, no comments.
10:15
